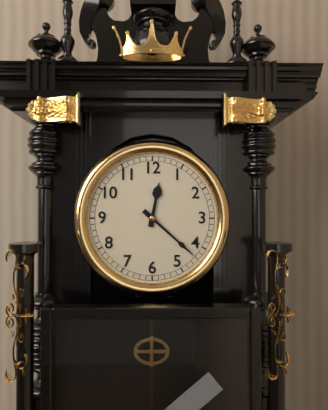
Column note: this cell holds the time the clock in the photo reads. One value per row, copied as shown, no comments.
12:22
